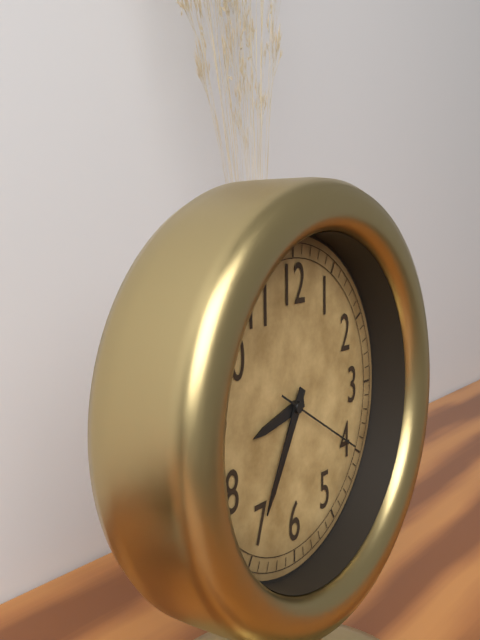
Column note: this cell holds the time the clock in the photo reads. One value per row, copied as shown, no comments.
8:35:20
